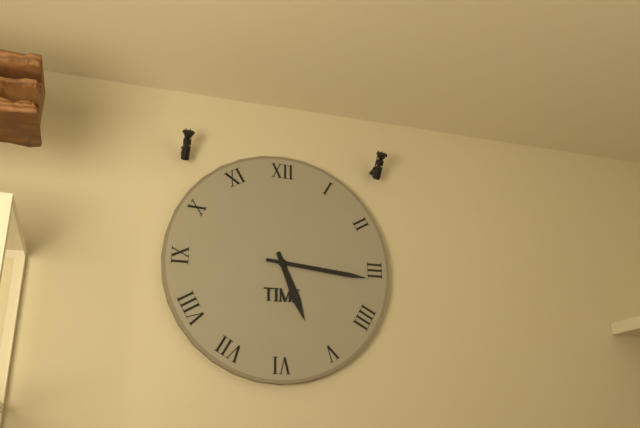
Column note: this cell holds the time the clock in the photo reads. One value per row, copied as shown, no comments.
5:16
